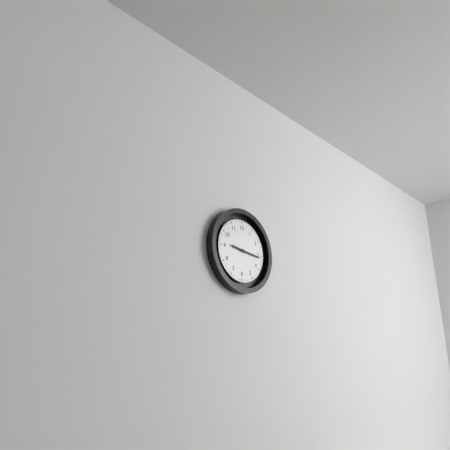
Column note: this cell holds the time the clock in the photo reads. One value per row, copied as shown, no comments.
9:16
